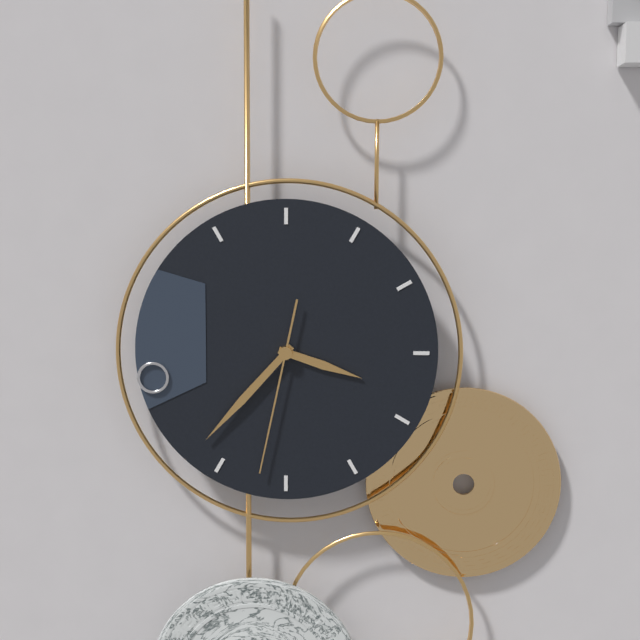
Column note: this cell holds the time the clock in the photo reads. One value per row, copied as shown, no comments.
3:37:32
